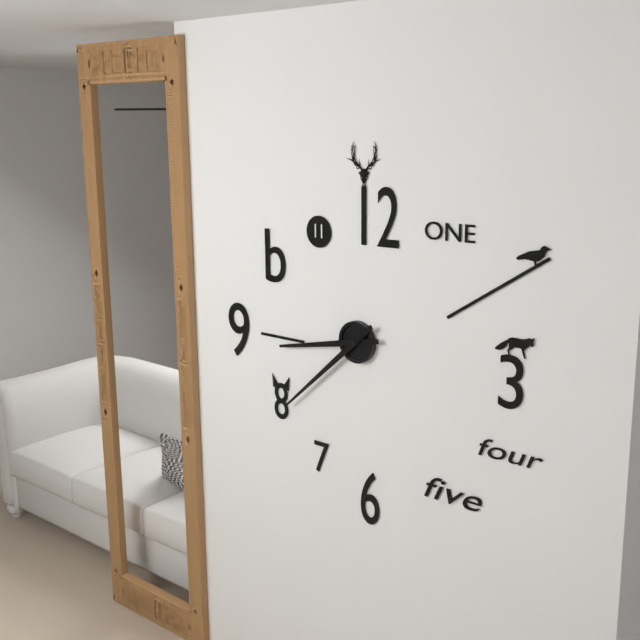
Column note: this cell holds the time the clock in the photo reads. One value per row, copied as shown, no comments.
8:38
